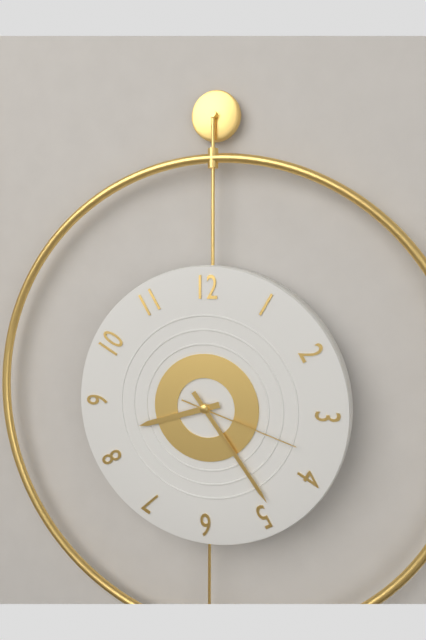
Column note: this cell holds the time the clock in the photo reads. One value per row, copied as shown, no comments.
8:24:18
